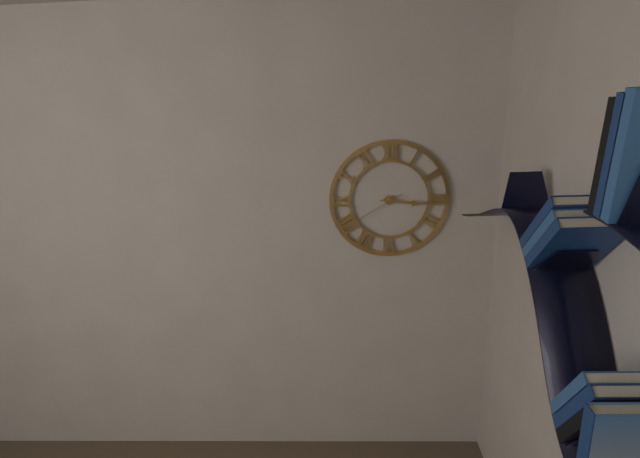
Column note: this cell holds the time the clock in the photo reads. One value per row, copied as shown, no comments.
3:16:40
